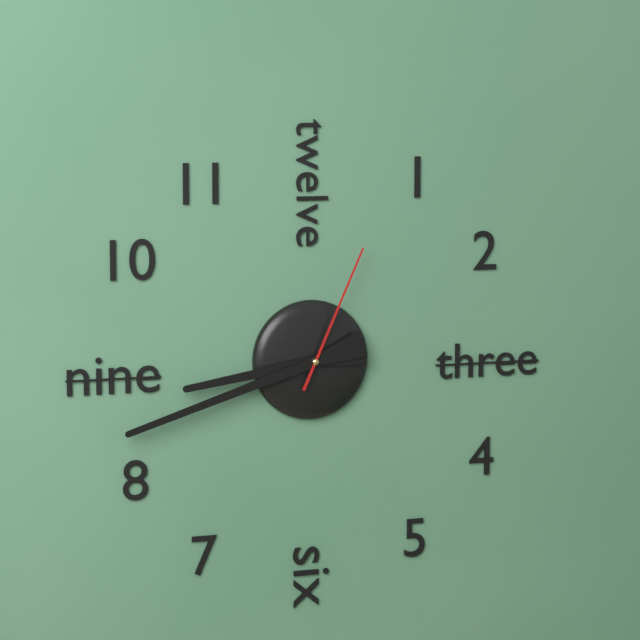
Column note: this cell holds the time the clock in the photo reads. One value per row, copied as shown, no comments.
8:42:04
